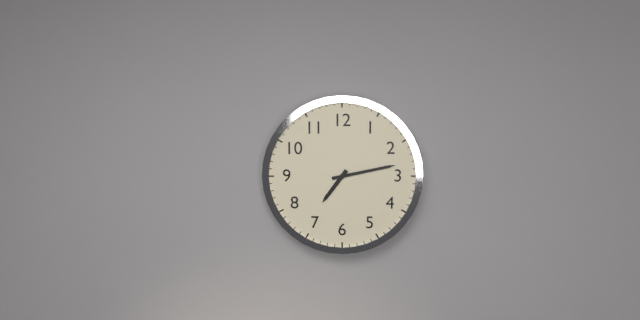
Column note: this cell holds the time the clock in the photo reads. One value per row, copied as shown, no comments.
7:13
